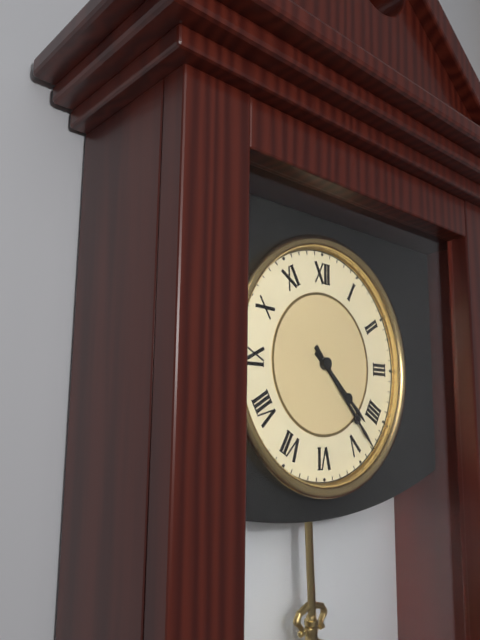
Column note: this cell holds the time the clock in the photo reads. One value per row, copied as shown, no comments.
4:23
